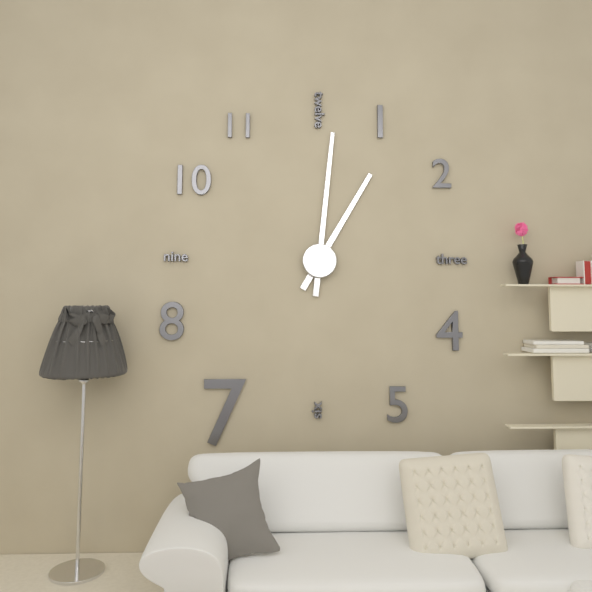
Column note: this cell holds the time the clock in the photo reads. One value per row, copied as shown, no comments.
1:01
